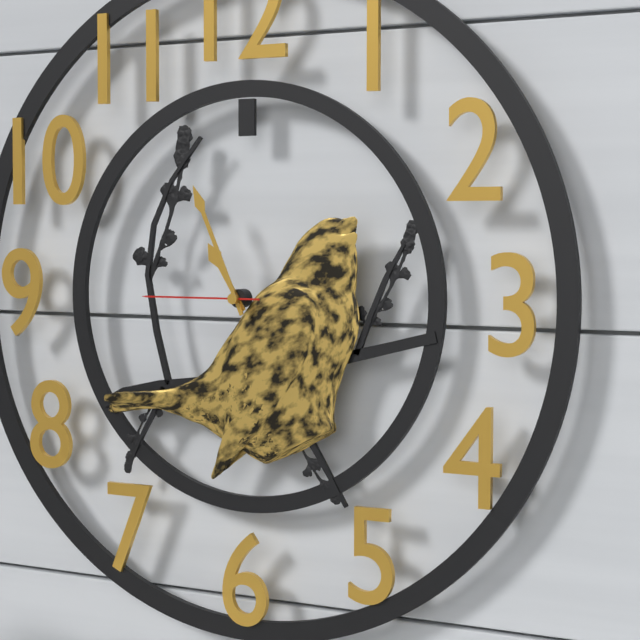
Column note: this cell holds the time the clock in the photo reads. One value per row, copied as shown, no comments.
10:56:45
